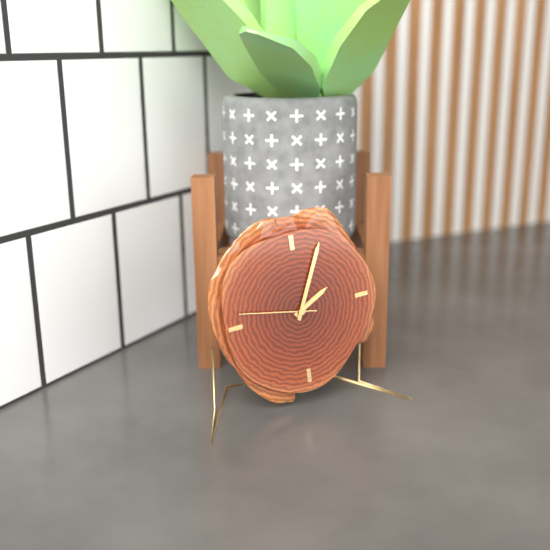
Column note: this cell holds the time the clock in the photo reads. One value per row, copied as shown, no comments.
2:04:47
